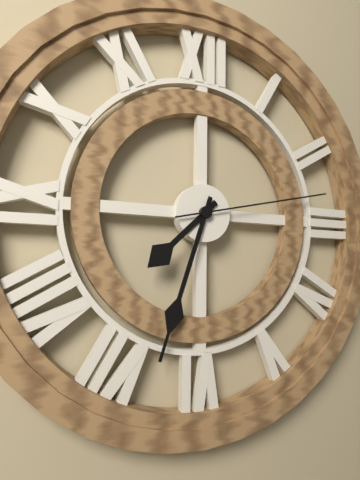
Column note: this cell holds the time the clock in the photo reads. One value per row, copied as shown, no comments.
7:33:13
